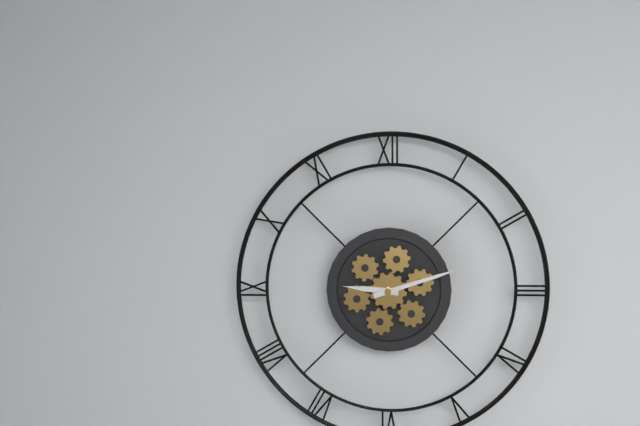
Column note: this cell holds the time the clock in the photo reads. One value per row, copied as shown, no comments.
9:12
